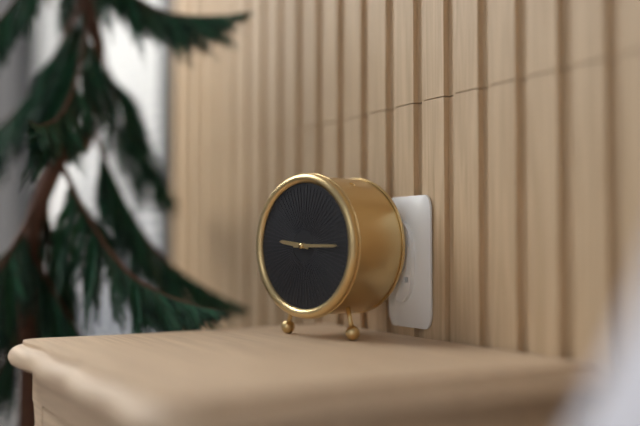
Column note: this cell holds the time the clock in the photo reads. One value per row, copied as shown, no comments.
9:15
